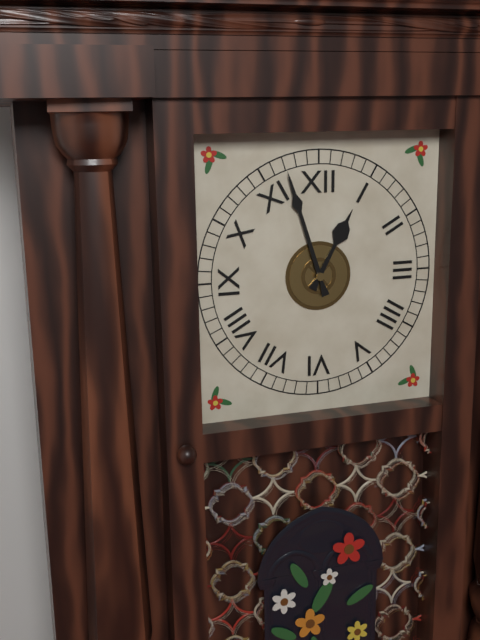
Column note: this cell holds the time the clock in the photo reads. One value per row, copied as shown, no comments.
12:57
